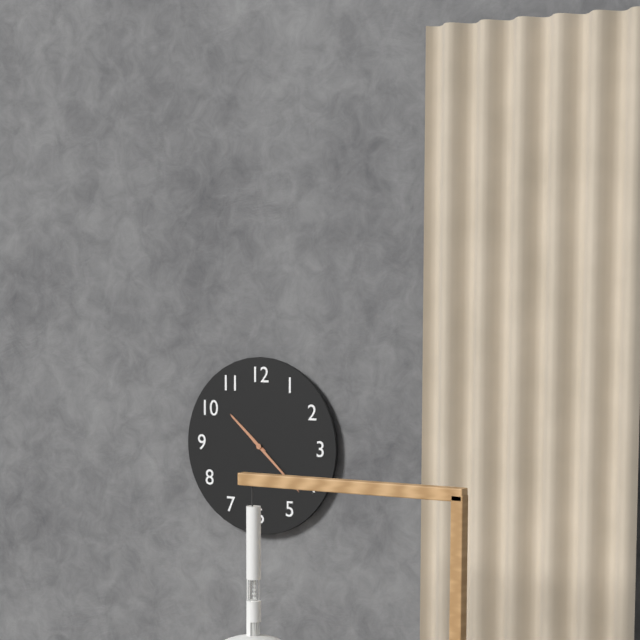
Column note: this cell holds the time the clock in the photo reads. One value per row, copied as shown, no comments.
10:22
